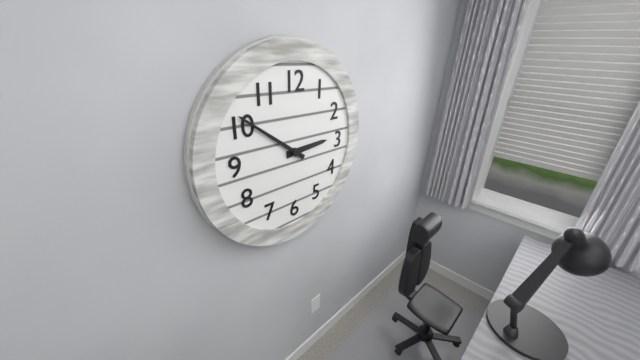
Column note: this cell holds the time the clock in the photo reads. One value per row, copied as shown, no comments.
2:51
